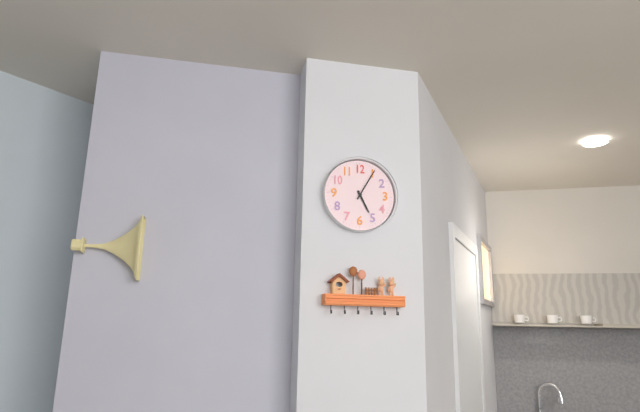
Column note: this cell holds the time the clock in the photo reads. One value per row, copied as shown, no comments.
5:05
